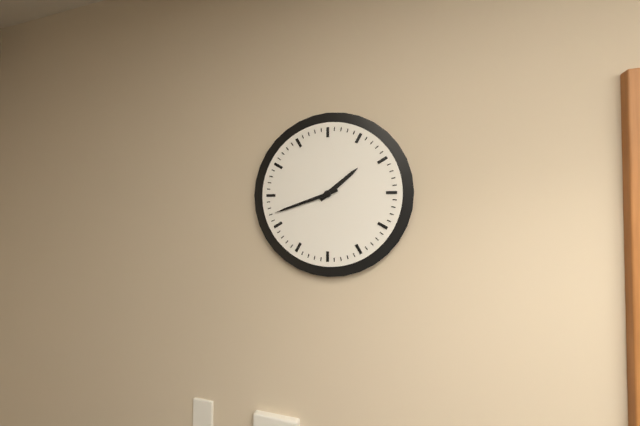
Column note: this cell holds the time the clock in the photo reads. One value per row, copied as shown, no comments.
1:42
